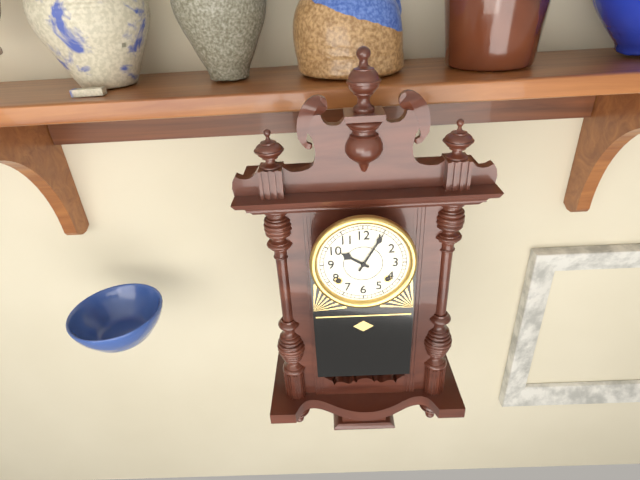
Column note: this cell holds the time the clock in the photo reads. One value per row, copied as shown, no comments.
10:05
